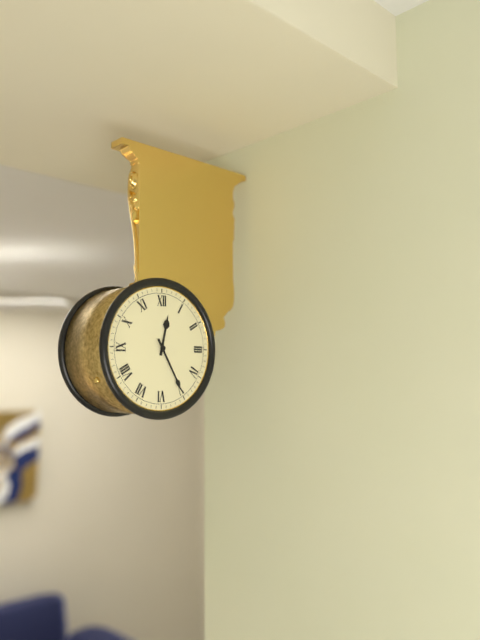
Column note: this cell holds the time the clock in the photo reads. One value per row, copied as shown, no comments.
12:25
